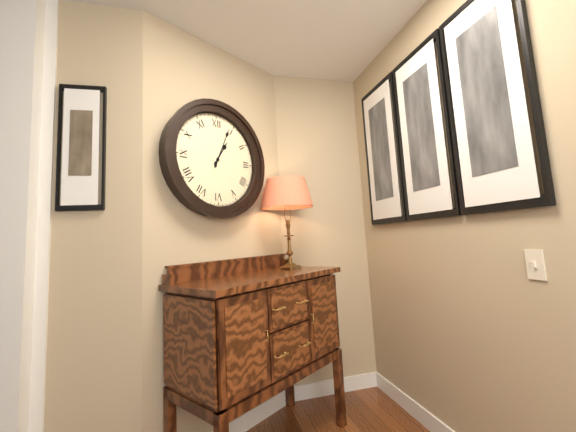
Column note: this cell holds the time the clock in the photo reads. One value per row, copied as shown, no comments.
1:04
